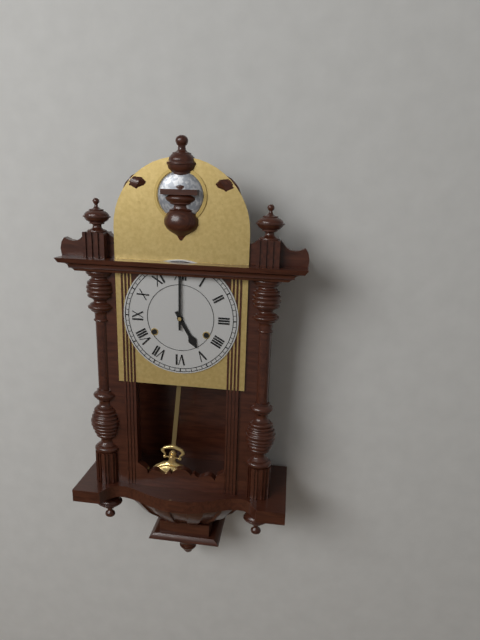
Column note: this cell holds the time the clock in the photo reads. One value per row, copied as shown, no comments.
5:00
